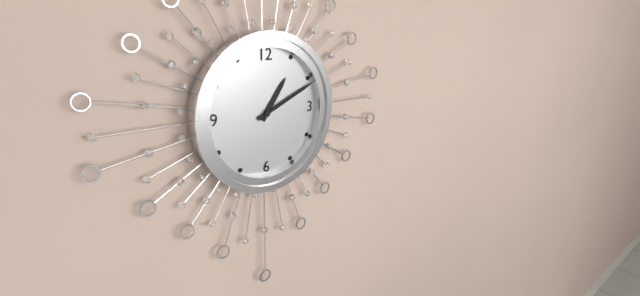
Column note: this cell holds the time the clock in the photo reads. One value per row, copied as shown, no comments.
1:11
